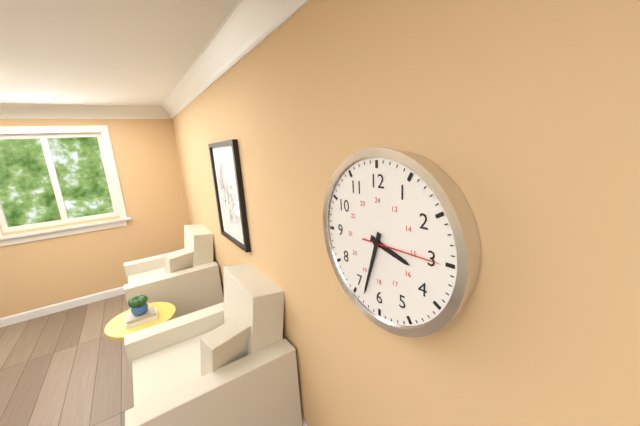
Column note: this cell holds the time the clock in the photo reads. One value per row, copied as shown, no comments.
3:33:15
